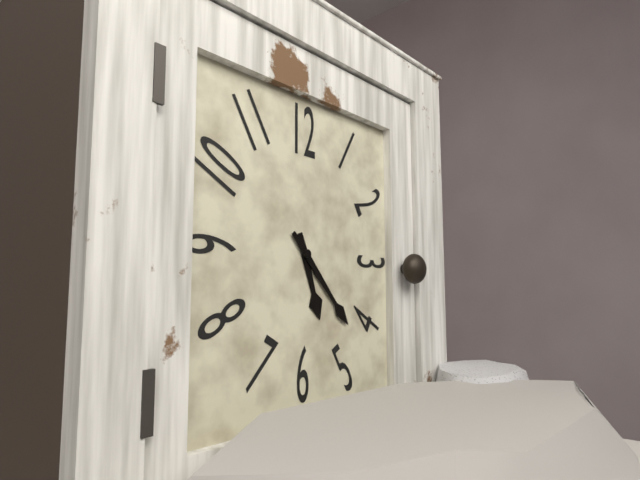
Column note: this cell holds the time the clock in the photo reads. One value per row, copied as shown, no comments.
5:23
